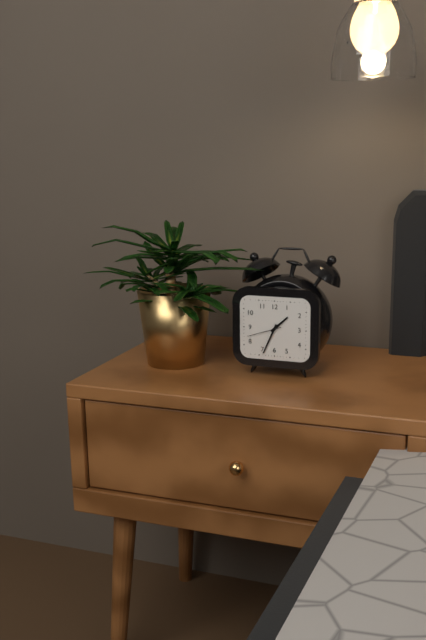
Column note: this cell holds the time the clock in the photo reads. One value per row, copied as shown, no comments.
1:34
